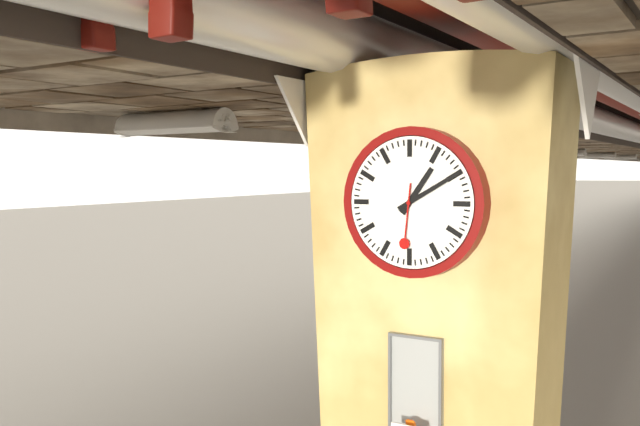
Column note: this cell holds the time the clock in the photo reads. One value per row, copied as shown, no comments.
1:10:31
